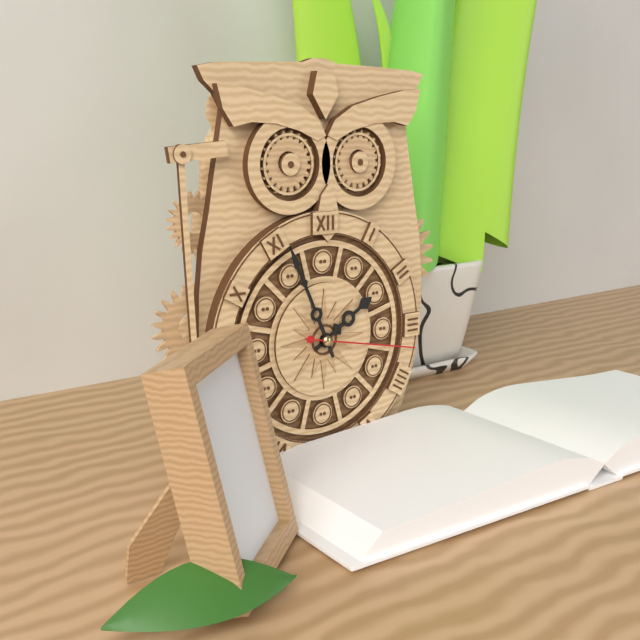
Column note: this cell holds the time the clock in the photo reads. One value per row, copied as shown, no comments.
1:56:17
